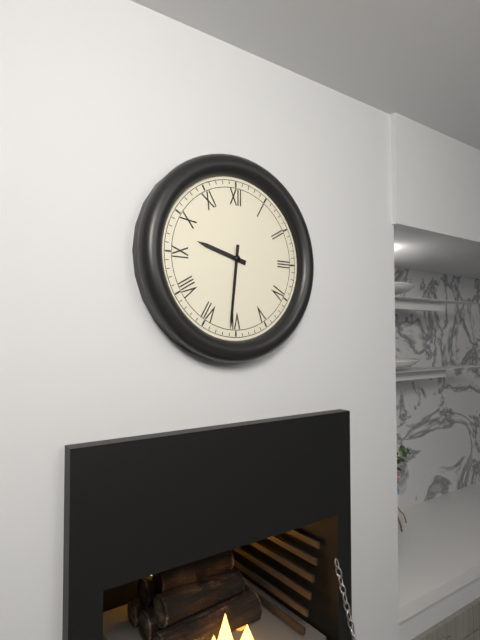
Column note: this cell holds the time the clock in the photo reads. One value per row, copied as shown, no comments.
9:31
